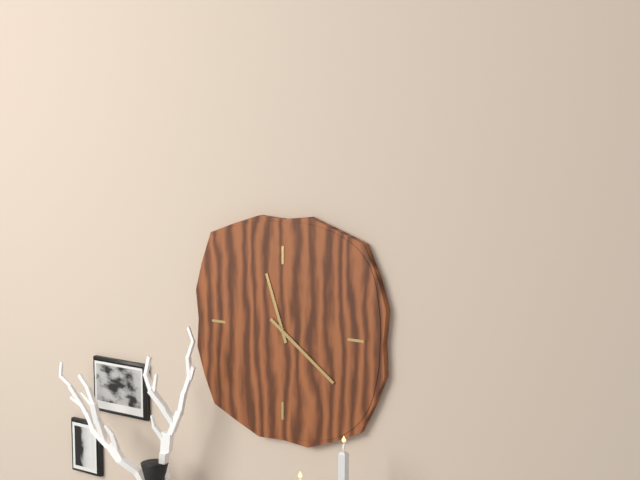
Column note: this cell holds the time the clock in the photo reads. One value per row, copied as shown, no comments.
11:21
